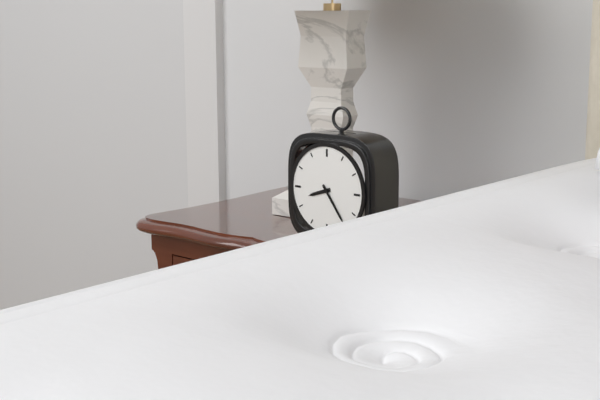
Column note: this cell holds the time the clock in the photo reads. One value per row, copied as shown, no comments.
8:24
